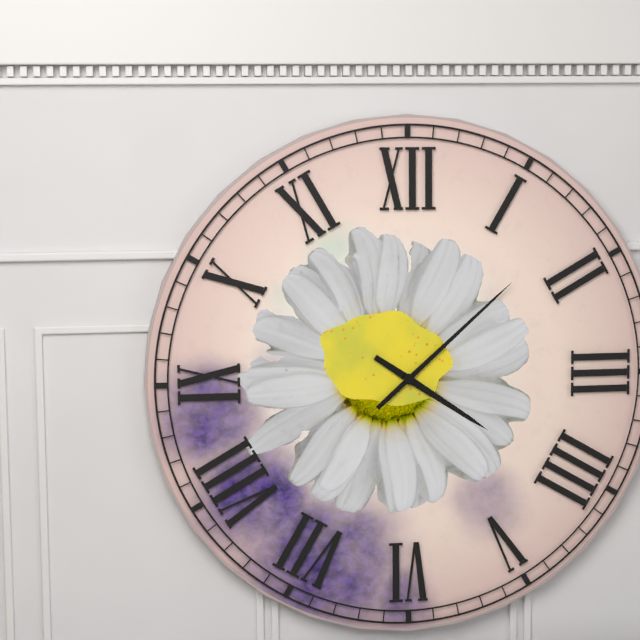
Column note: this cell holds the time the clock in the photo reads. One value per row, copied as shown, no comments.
4:08
